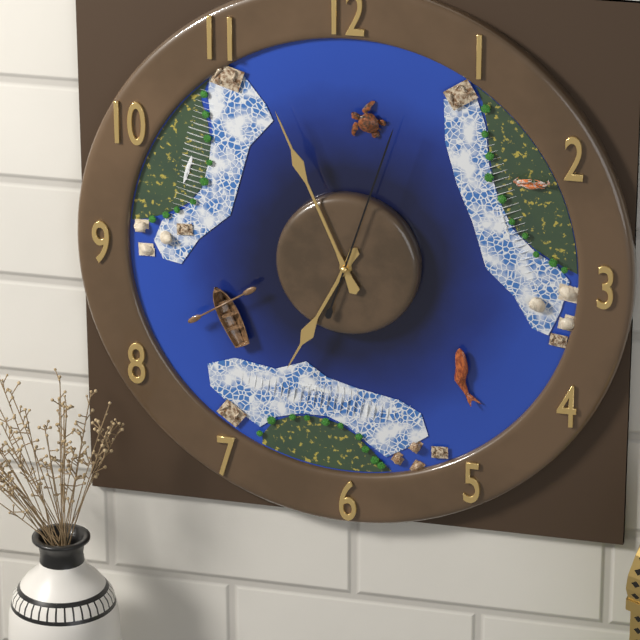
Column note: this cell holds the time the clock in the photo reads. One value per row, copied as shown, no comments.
6:56:03
